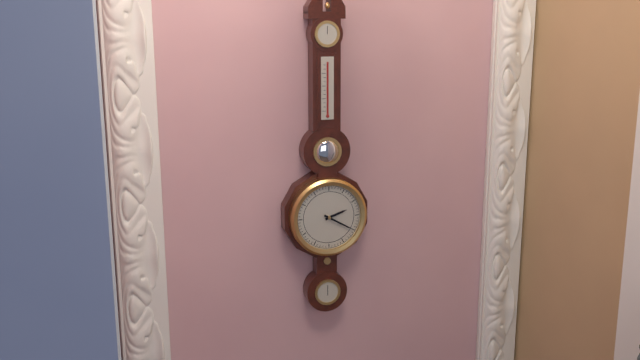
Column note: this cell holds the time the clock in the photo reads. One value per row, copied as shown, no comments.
2:20
